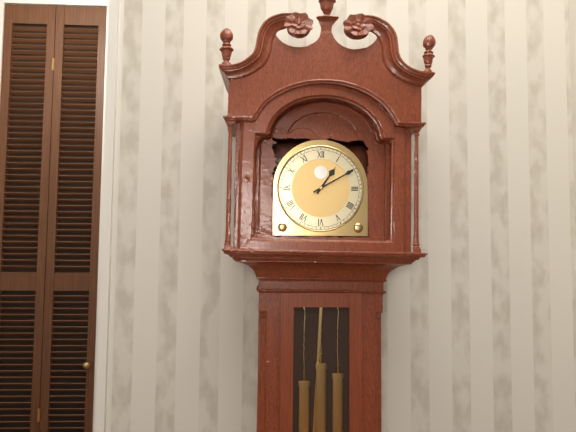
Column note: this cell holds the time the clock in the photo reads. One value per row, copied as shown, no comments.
1:10
